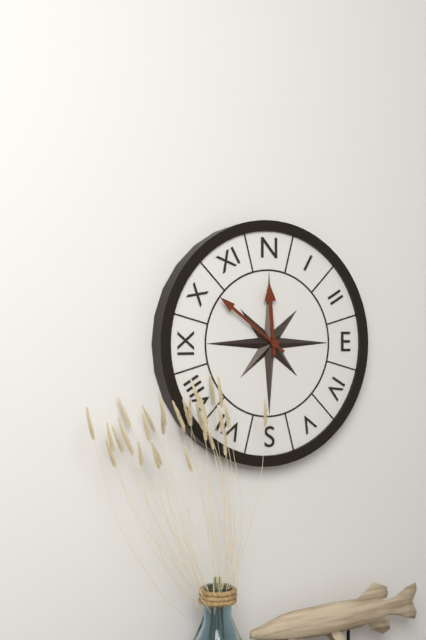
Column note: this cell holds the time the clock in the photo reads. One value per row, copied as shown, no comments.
11:51
